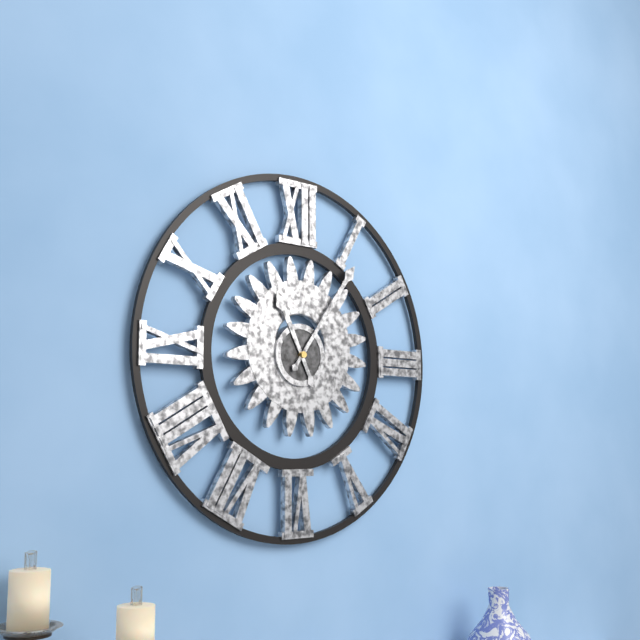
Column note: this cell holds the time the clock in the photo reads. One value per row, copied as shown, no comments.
11:06
